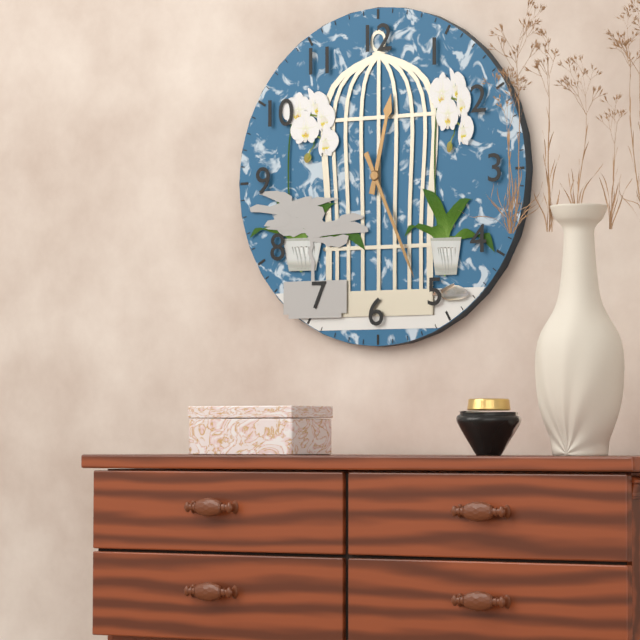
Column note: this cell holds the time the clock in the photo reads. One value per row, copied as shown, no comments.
12:26
